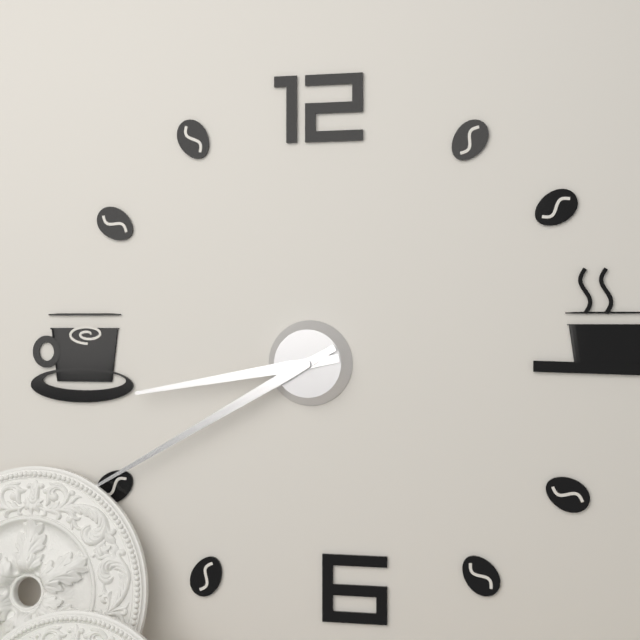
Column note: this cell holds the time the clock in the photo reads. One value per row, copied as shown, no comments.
8:40
